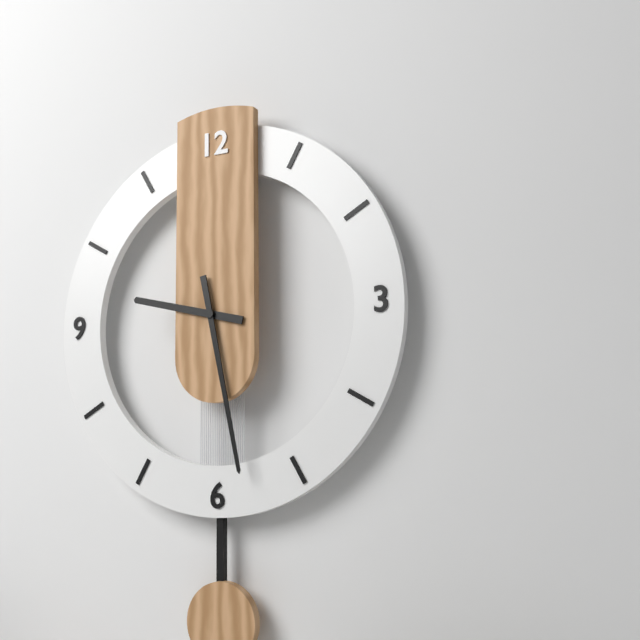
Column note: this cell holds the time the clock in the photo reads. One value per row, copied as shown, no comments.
9:28
